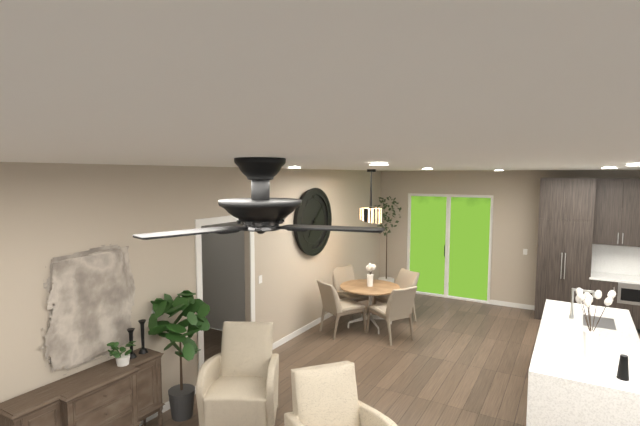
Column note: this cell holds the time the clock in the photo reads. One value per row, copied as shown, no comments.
7:08
